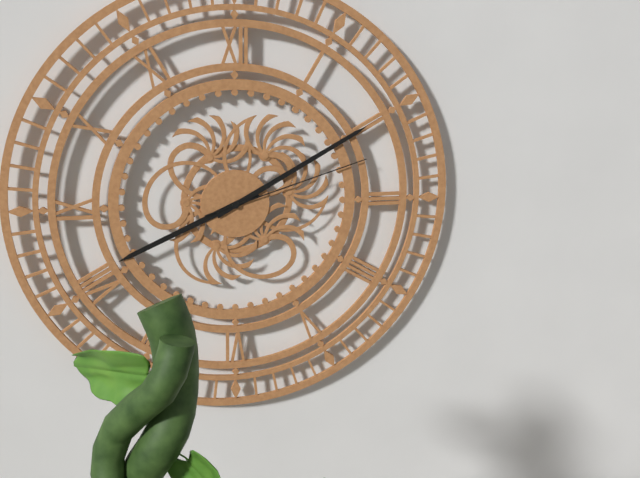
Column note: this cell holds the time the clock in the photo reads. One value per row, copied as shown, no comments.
8:10:12
